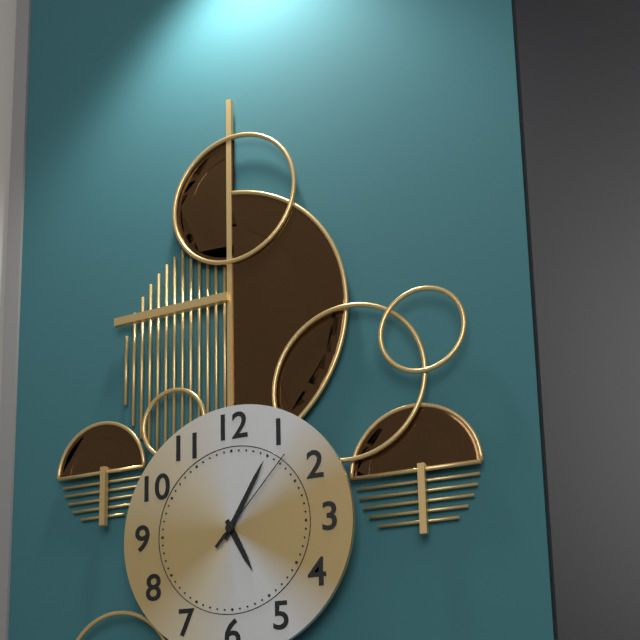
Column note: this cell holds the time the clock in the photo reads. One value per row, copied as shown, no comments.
5:05:07
